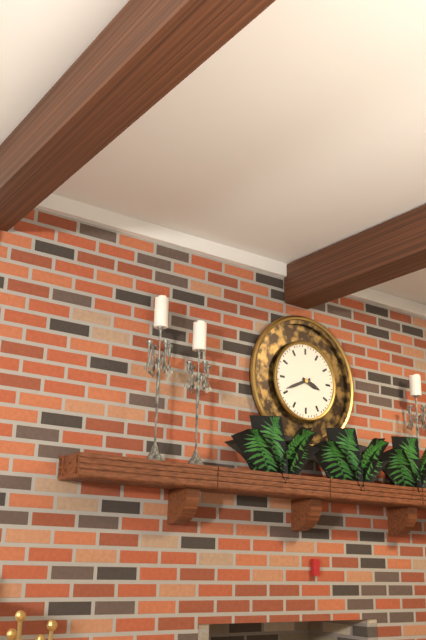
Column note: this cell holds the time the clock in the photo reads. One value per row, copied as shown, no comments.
3:41
